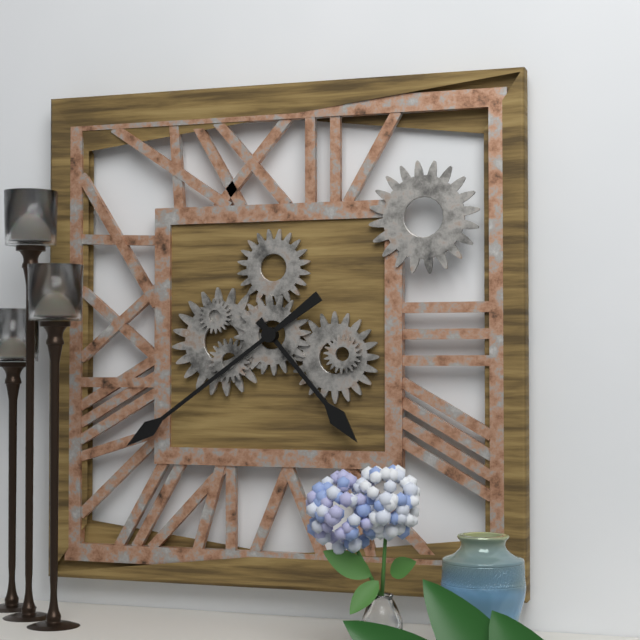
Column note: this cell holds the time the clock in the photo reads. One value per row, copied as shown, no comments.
4:39
